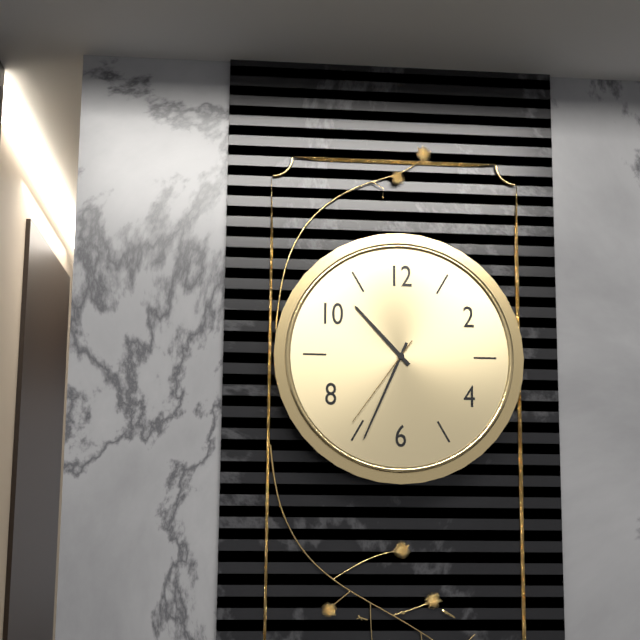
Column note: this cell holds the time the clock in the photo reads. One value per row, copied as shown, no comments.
10:34:36
